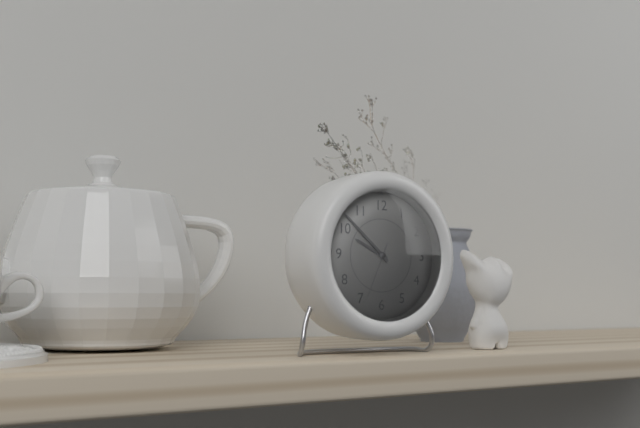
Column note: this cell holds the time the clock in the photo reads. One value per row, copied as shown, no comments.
9:52:34
